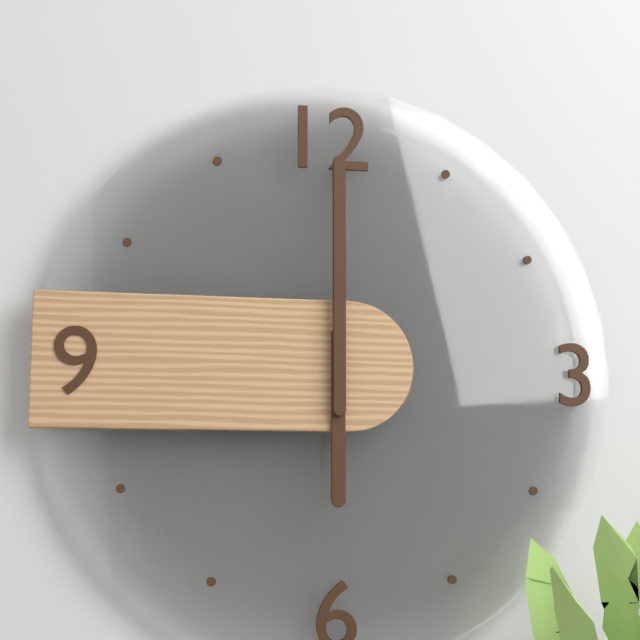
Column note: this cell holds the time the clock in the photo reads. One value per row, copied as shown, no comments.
6:00
